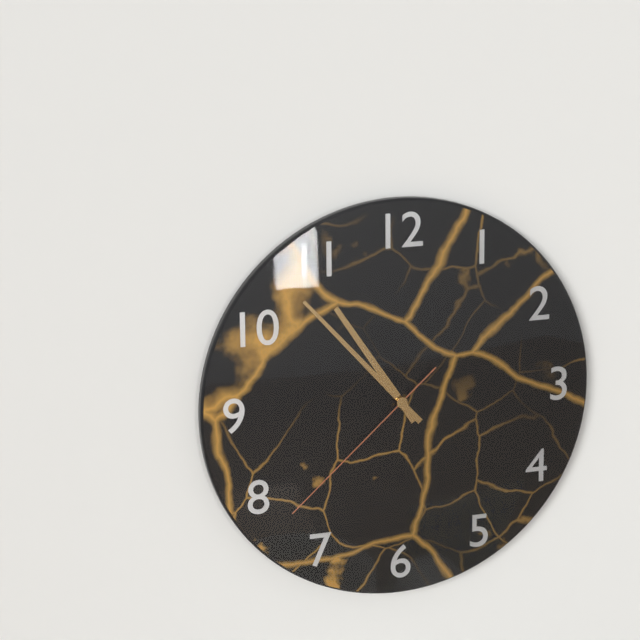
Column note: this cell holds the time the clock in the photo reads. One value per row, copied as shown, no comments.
10:53:38
